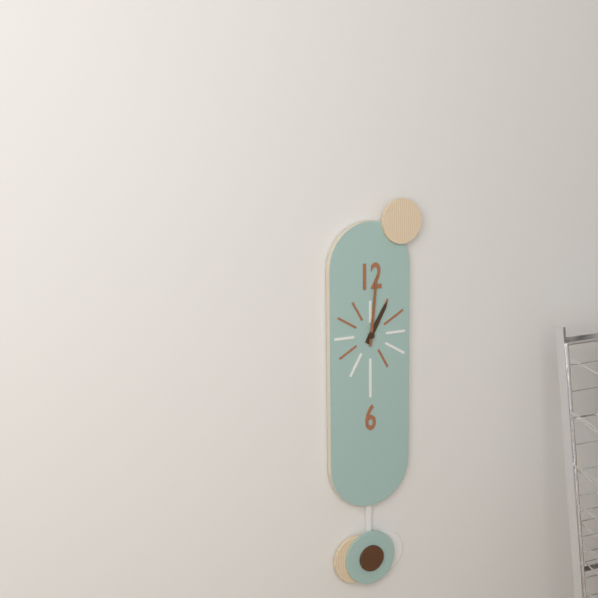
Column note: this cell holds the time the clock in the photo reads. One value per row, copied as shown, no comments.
1:01
